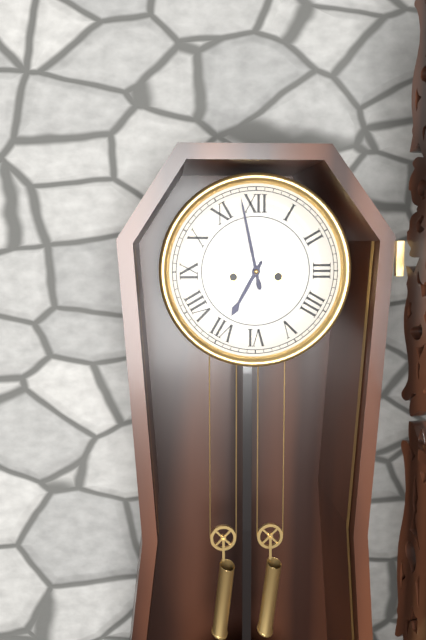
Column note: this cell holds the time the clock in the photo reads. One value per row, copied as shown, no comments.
6:58
